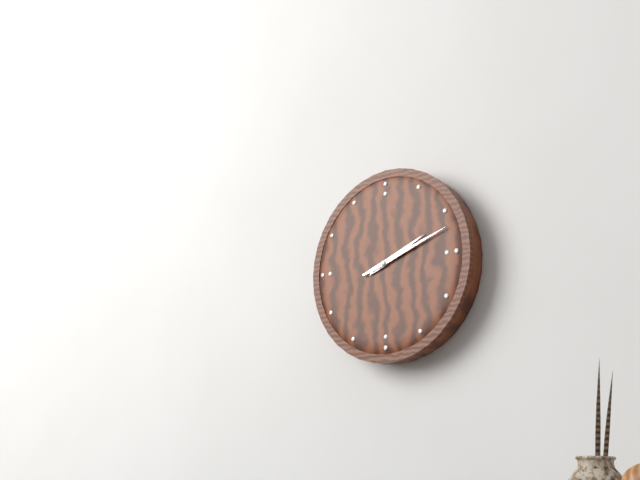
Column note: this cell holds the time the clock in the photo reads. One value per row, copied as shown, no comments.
2:12
